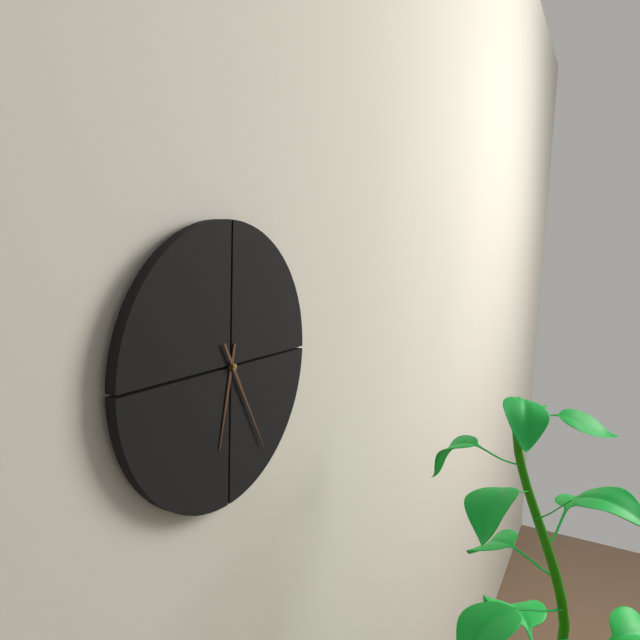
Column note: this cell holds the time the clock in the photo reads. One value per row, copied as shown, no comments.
6:25
